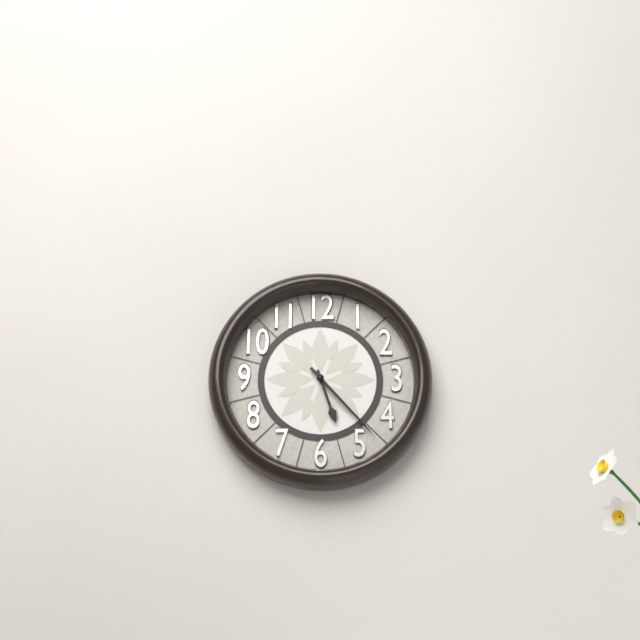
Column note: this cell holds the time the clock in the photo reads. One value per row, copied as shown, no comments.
5:23
